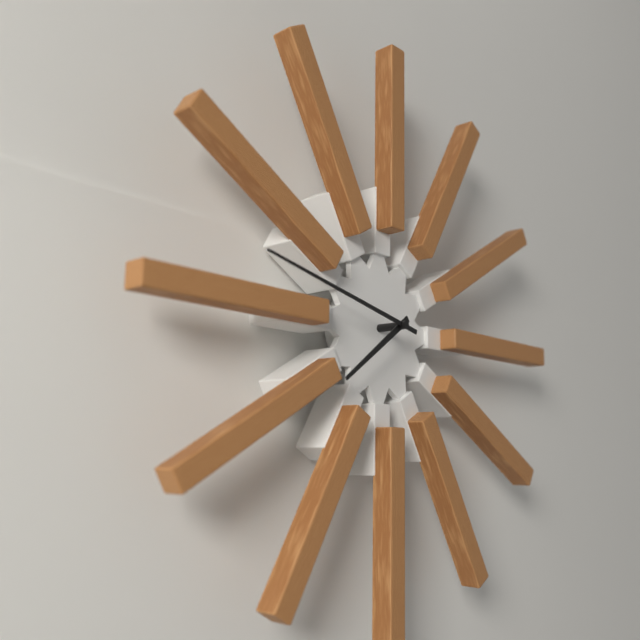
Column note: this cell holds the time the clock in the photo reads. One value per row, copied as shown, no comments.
7:47
